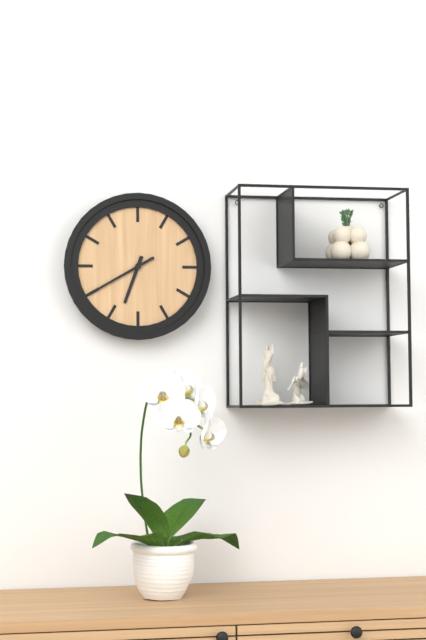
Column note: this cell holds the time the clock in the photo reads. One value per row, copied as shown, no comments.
6:40
